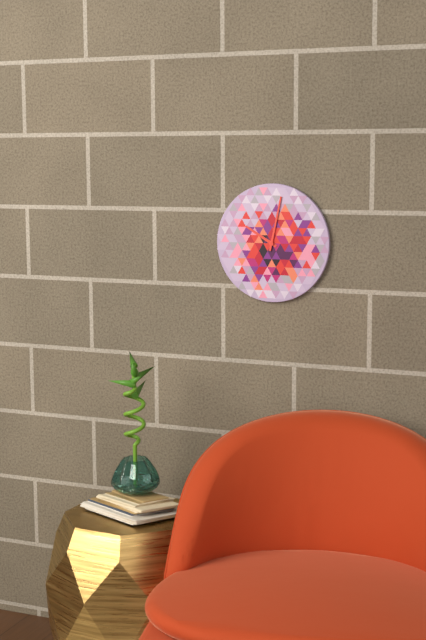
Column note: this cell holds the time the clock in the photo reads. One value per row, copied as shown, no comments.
10:02
